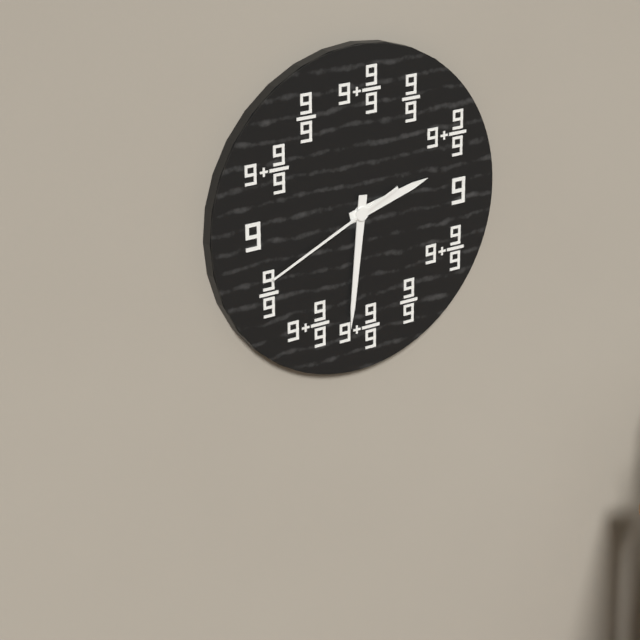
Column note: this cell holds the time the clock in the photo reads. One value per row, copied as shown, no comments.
2:31:41
